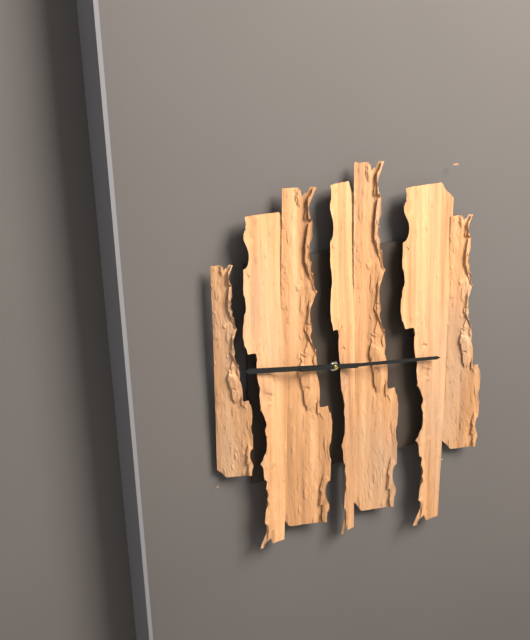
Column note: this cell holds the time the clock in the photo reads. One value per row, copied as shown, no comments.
9:16
